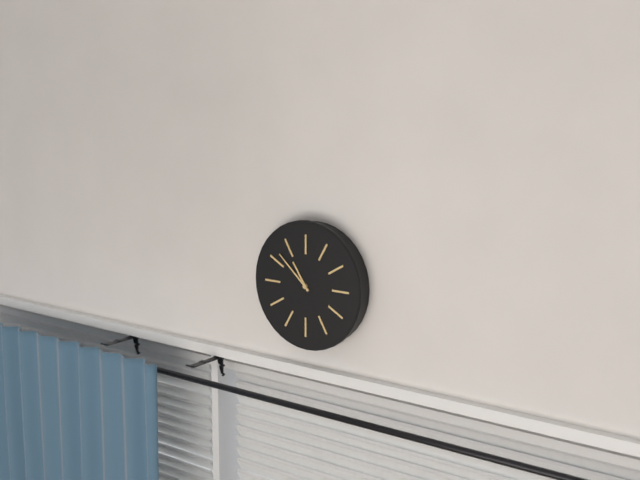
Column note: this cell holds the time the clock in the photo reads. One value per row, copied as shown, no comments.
10:52
